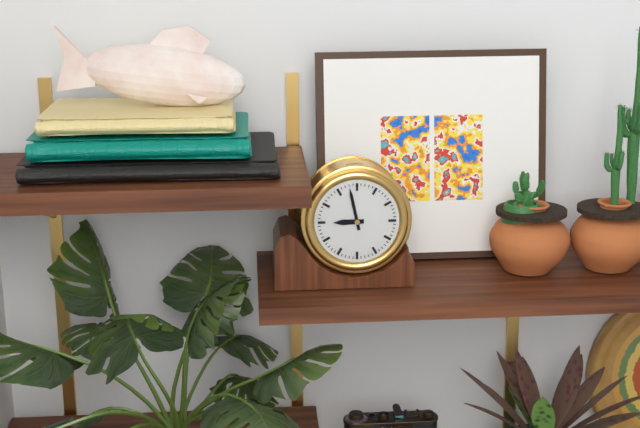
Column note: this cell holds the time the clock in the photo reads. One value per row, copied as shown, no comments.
8:58
